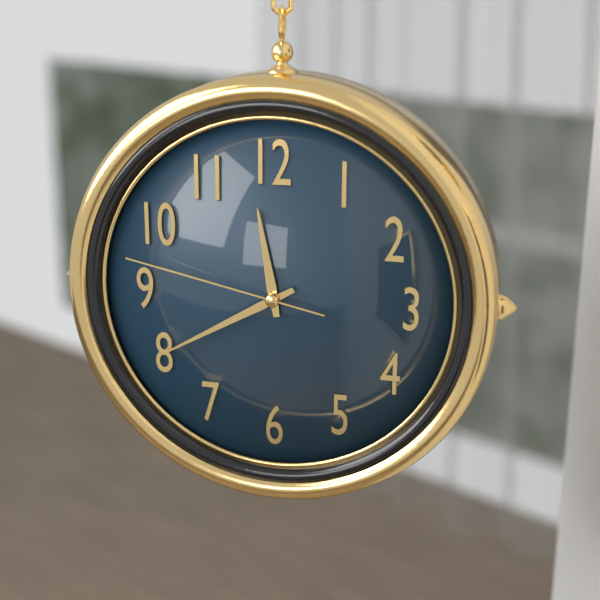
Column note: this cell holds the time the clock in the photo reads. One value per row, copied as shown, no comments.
11:40:47
